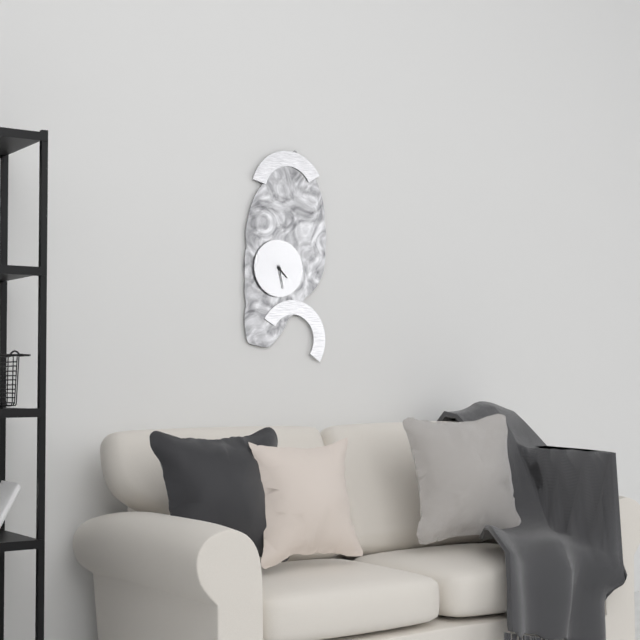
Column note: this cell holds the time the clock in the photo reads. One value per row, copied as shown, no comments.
4:28
